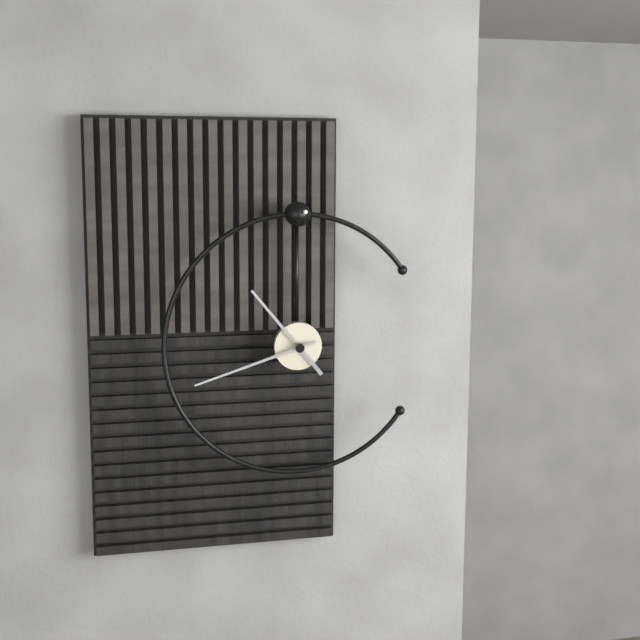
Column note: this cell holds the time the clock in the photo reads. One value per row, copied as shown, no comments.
10:42
